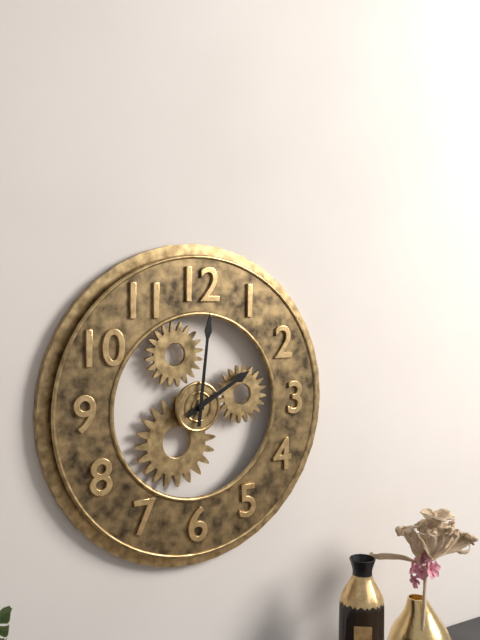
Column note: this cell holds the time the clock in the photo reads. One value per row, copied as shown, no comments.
2:01
